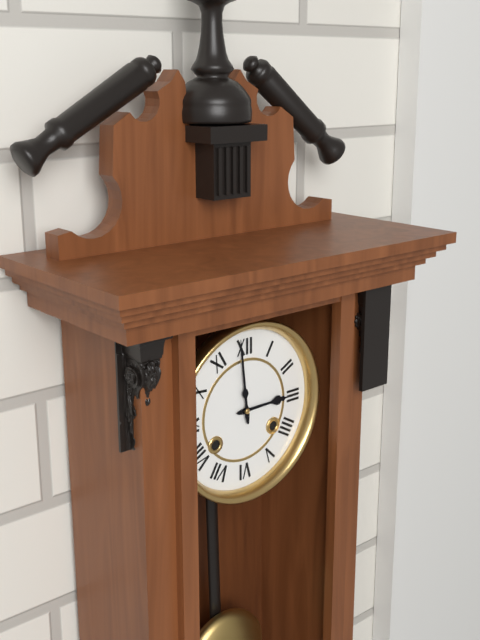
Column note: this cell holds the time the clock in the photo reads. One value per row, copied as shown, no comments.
2:59
